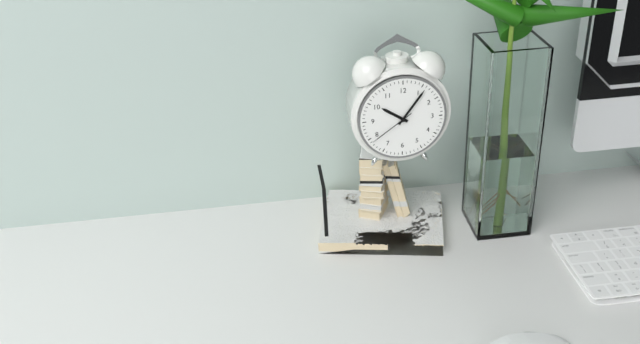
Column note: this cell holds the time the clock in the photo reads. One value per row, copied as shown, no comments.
10:06
